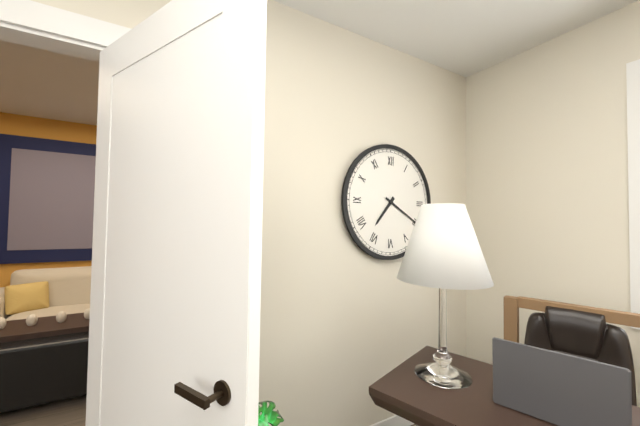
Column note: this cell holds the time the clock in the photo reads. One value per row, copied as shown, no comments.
7:20
